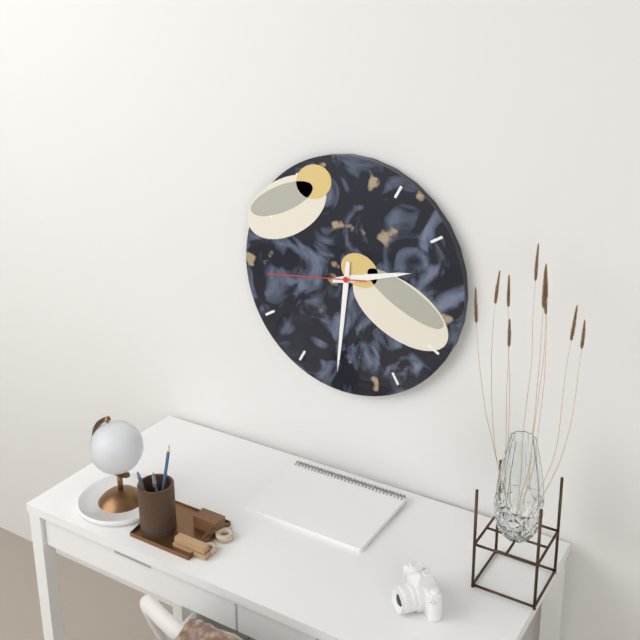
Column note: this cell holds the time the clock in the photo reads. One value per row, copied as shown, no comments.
2:31:44
